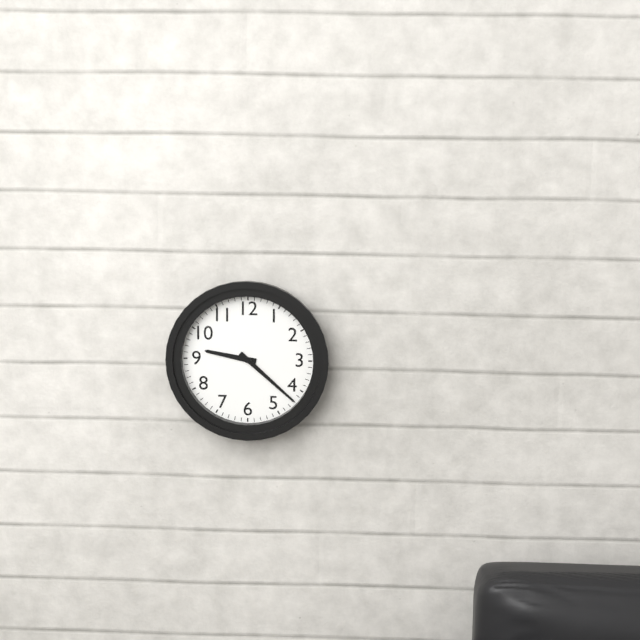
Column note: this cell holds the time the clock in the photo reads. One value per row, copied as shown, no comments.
9:22
